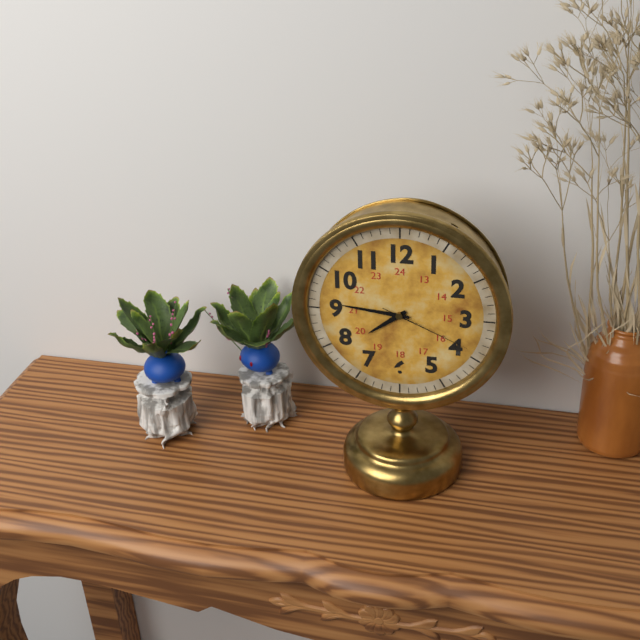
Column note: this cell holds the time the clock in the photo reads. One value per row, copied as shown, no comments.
7:46:19
